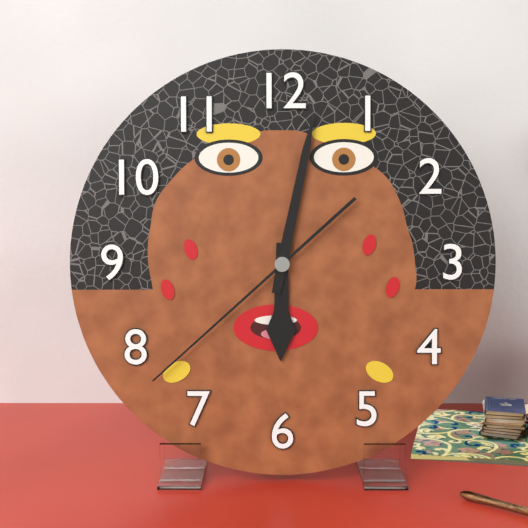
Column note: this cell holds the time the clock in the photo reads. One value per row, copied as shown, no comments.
6:02:38
